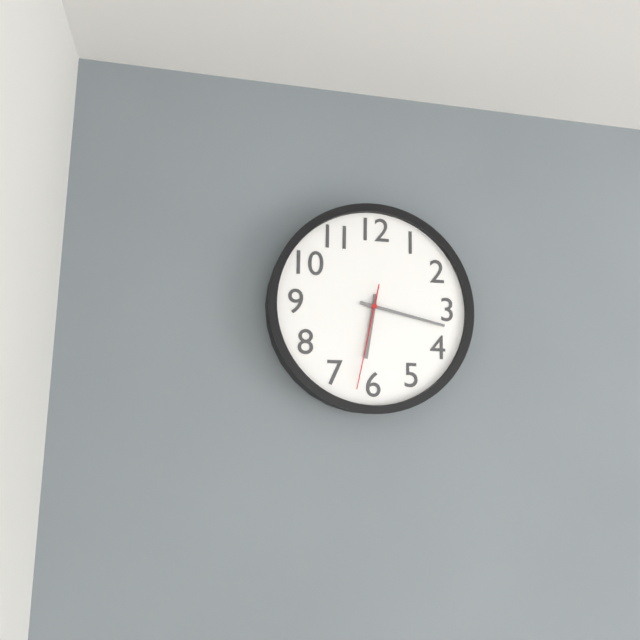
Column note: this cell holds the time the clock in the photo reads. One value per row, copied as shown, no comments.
6:17:32
